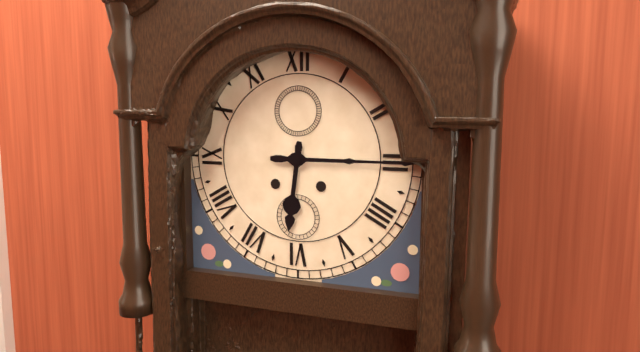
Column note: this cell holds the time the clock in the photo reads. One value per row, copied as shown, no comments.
6:15
